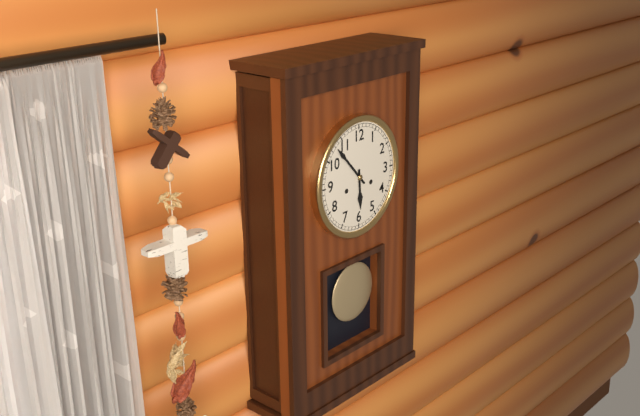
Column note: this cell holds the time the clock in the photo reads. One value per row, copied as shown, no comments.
5:53
